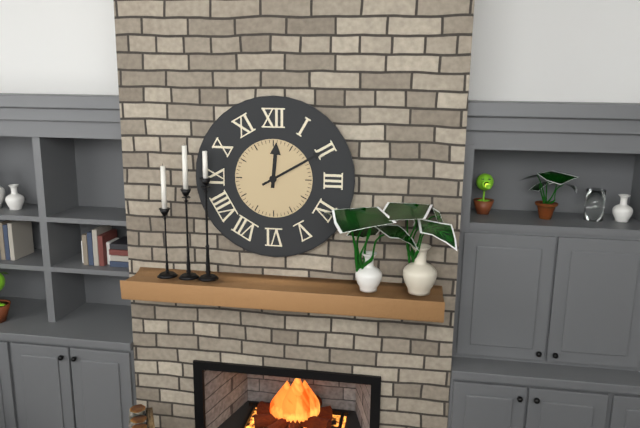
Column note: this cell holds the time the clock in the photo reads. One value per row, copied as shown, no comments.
12:10
